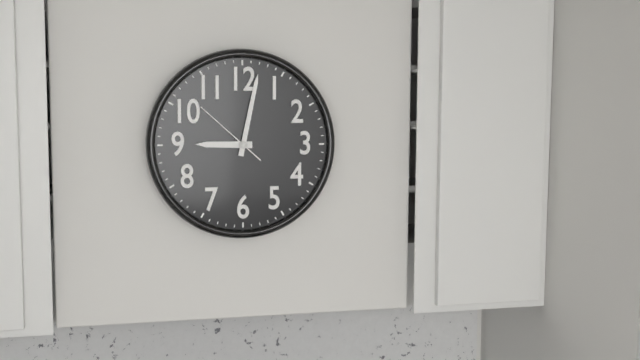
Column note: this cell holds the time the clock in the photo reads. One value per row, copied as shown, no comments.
9:02:52
